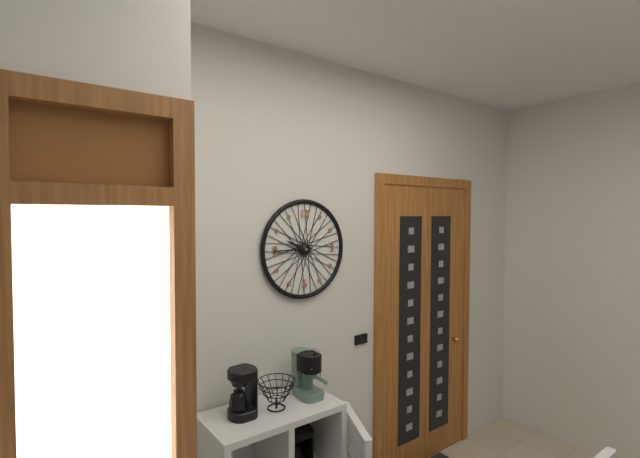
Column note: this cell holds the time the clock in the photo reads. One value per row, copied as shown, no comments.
9:45
